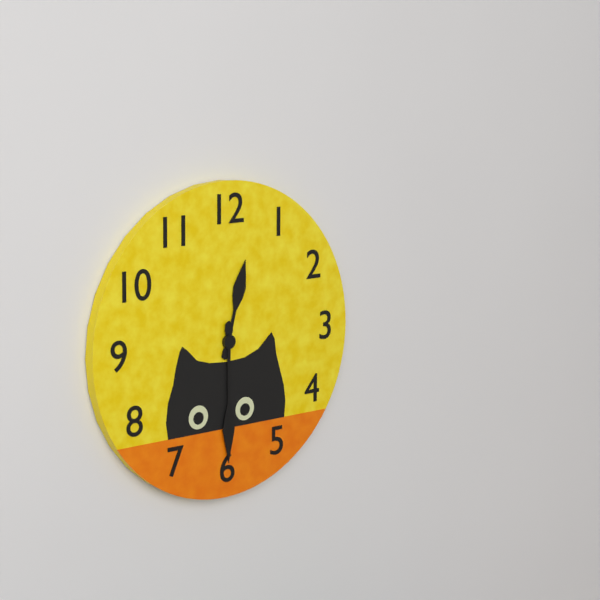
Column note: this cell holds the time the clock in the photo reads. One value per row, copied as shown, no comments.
12:30
